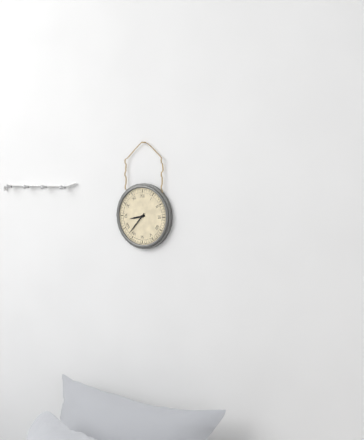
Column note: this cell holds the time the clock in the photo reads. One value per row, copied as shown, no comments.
8:37
